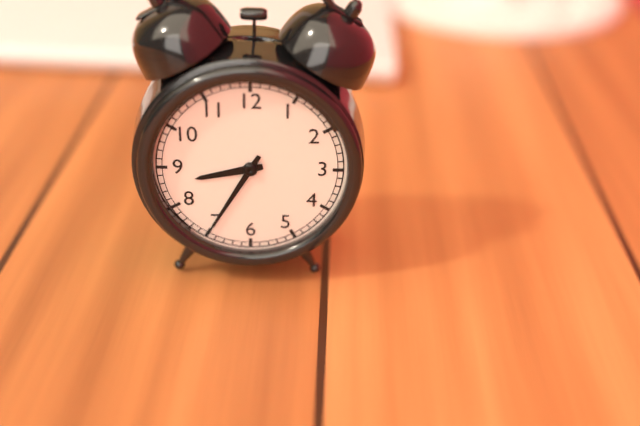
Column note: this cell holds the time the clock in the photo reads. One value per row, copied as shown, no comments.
8:35
